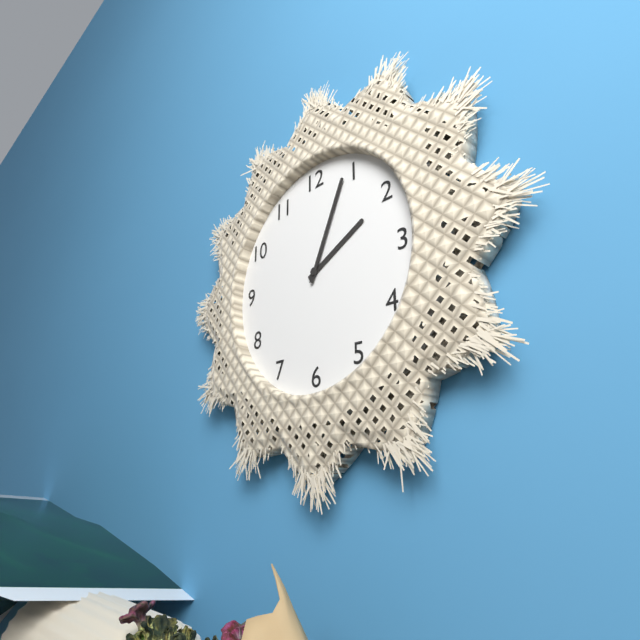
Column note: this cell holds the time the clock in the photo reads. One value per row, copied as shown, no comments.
2:04
